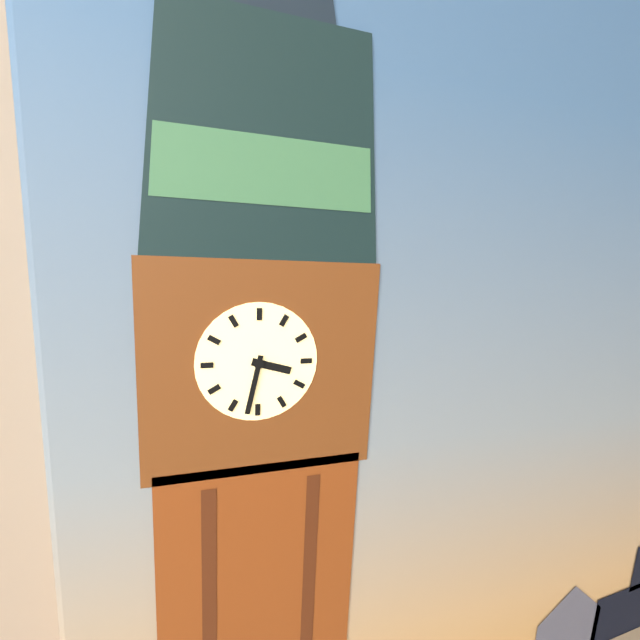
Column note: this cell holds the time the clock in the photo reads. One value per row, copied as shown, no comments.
3:32
